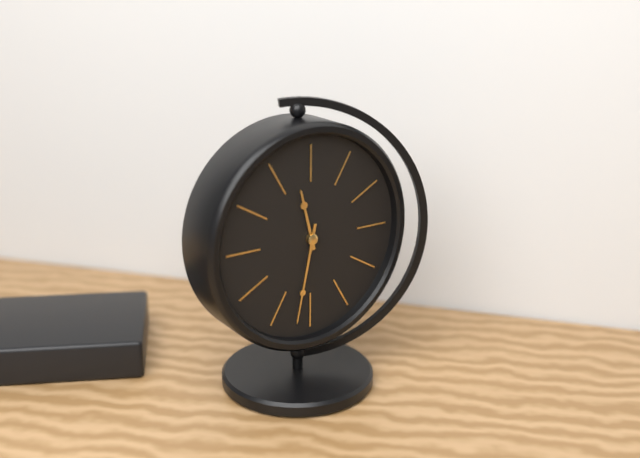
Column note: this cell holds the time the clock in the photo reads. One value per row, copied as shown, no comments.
11:32
